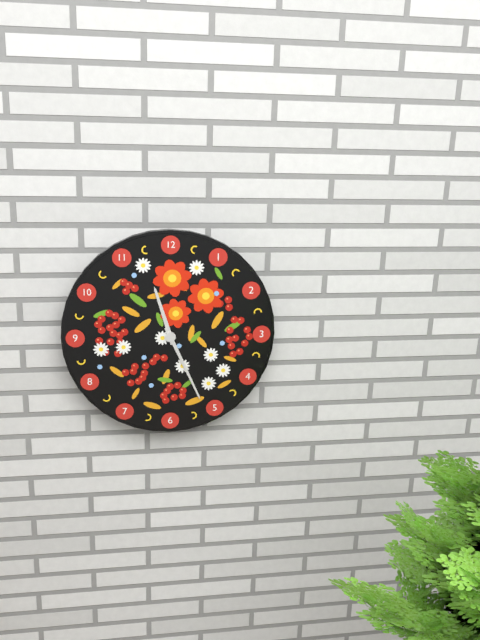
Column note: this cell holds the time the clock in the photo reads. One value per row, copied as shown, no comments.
11:26
